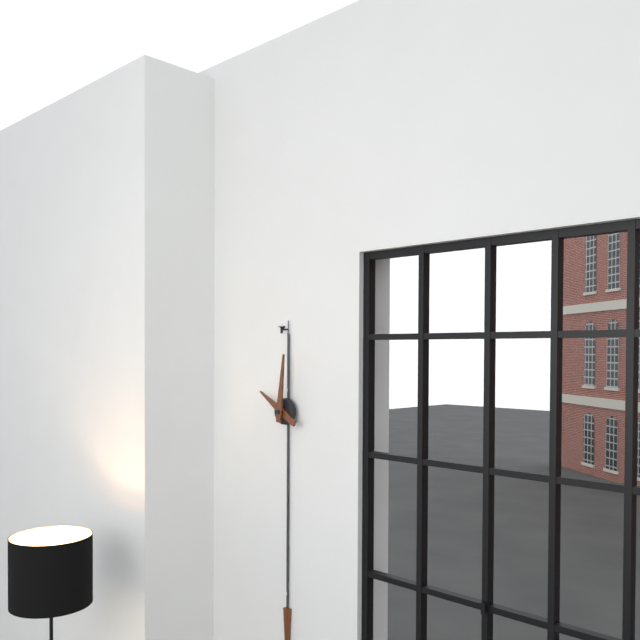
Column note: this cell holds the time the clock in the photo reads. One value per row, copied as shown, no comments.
10:01
